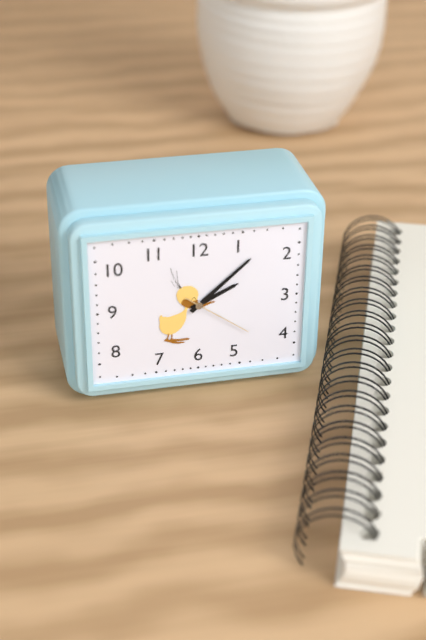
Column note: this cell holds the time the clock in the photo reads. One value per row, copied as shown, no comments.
2:08:21
